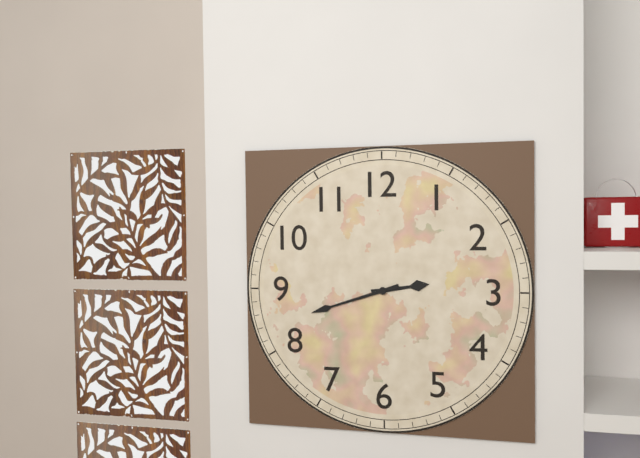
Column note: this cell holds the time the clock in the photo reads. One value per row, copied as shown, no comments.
2:42
